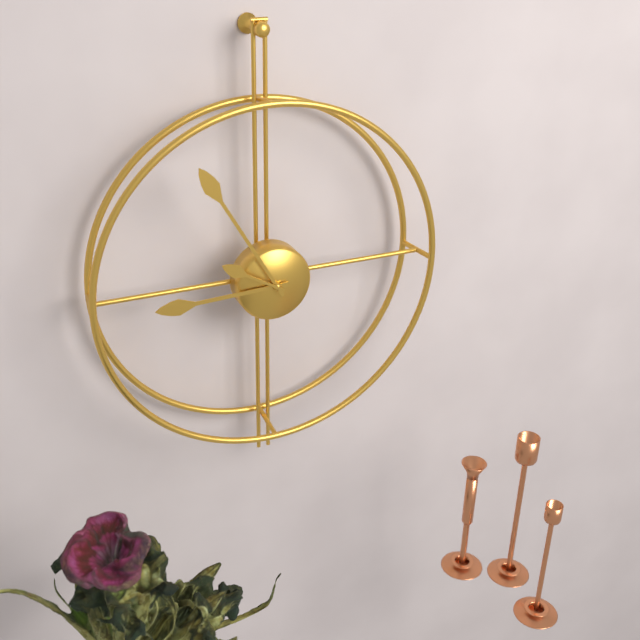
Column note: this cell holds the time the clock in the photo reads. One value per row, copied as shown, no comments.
8:55:50
